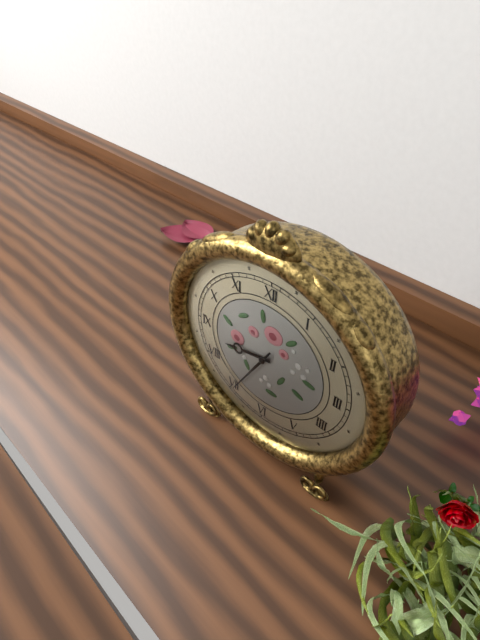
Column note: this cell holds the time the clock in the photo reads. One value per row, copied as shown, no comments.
8:35
